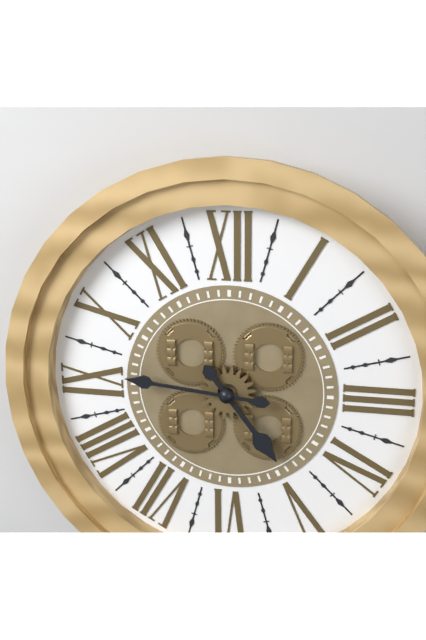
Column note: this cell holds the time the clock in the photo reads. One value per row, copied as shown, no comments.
4:46
